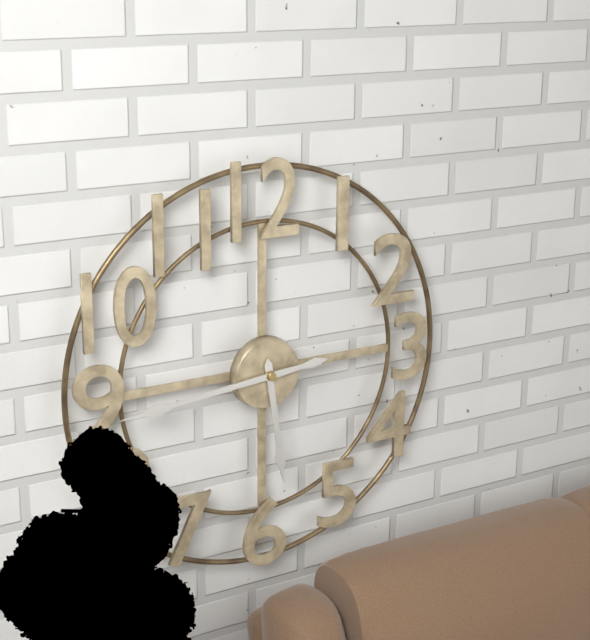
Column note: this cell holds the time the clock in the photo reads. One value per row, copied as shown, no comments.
5:44
